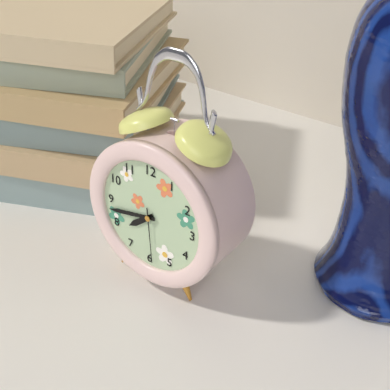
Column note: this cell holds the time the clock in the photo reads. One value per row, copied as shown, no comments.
7:43:29
